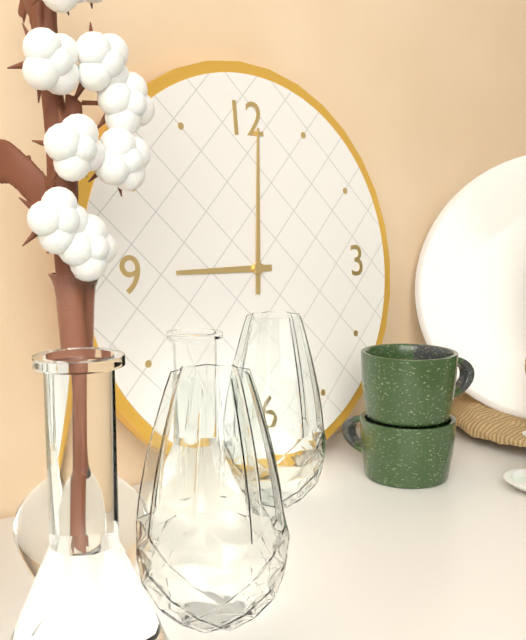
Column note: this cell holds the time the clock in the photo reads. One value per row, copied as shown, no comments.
9:01
